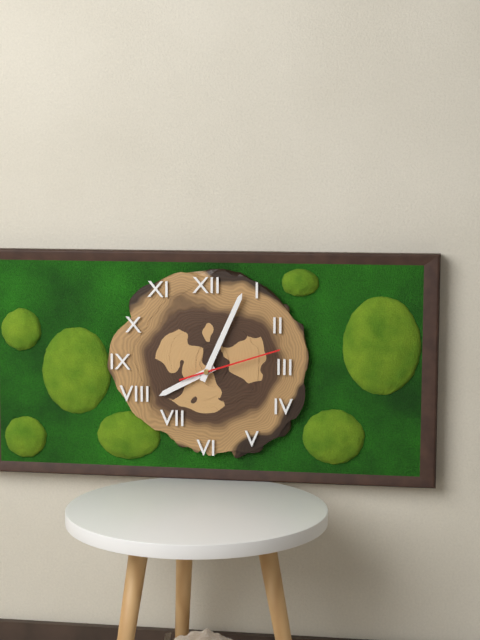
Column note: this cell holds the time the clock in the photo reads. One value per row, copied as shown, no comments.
8:04:12
